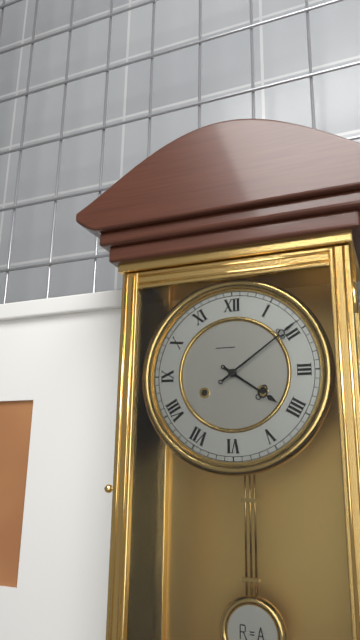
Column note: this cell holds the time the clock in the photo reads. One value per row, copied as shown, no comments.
4:09
